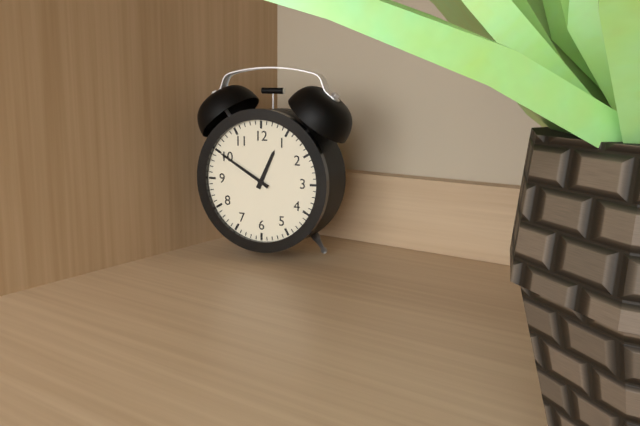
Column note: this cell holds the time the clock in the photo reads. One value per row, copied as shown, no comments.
12:50
